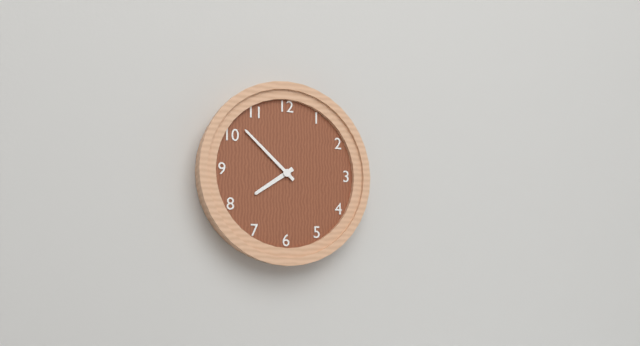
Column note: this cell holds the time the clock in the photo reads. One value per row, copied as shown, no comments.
7:52
